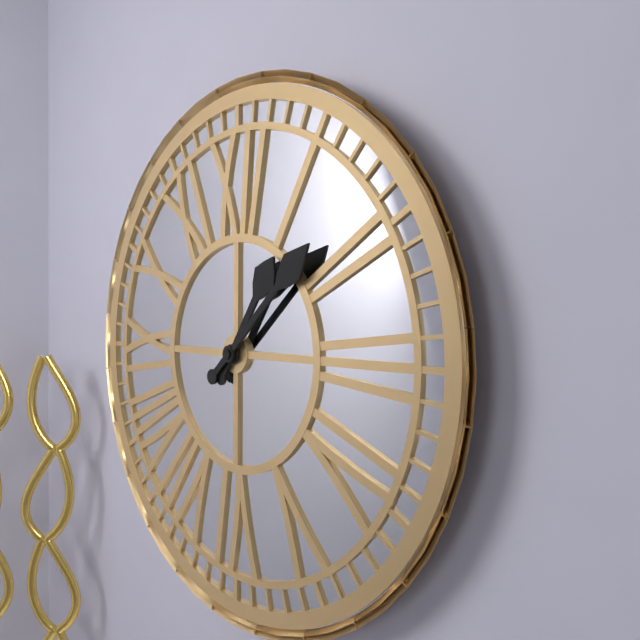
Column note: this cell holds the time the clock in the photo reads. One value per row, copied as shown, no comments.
1:08
